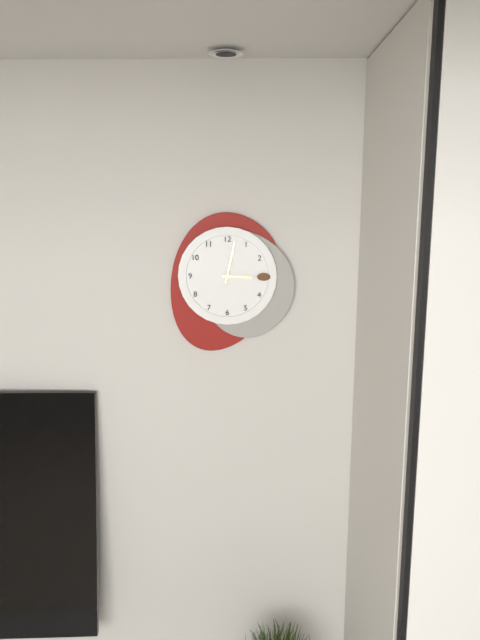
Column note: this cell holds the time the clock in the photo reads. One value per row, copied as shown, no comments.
3:02
